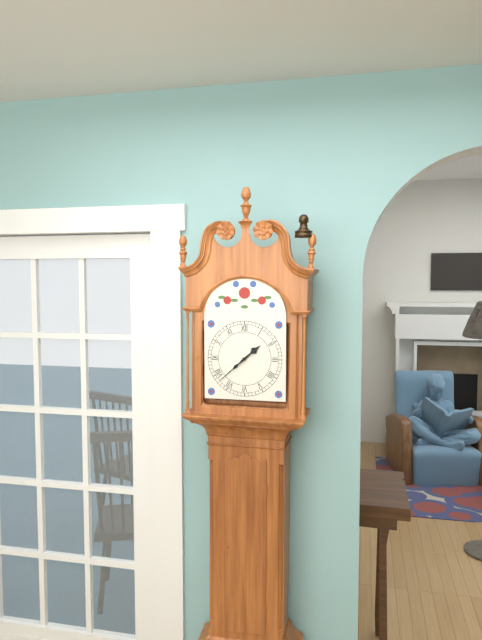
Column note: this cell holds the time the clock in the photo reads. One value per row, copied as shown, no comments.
1:38
